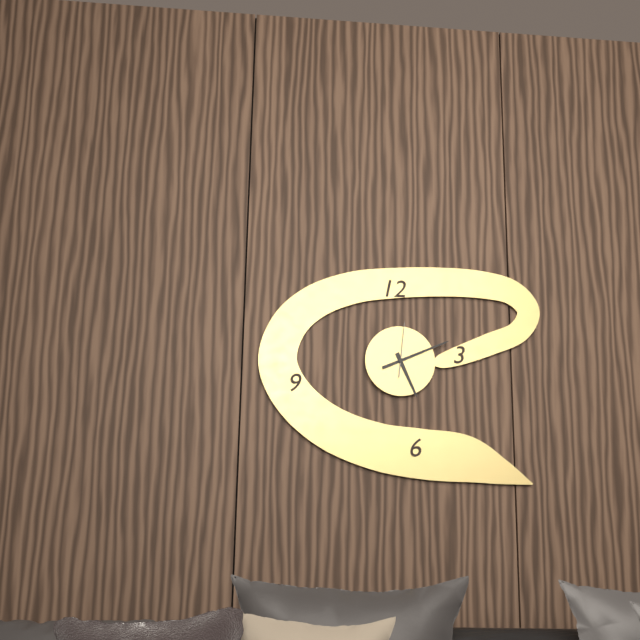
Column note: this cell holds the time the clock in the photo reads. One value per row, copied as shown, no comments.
5:11:01
